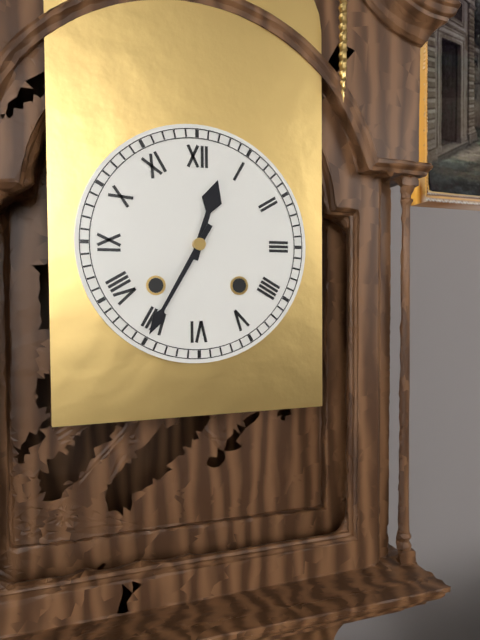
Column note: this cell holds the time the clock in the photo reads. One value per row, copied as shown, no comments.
12:35
